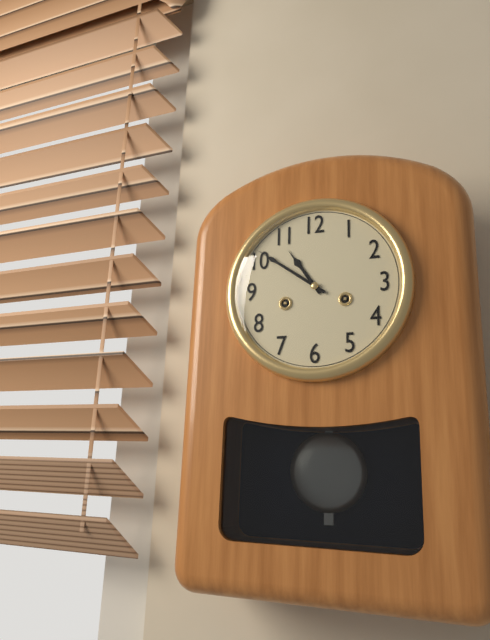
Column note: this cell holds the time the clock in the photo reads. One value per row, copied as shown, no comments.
10:51
